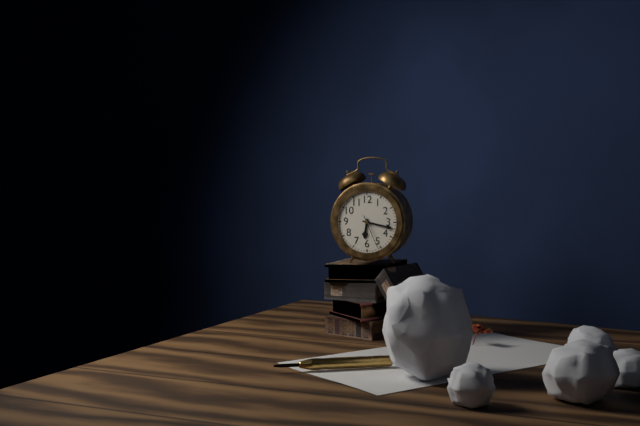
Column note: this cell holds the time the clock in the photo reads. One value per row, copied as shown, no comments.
6:17
